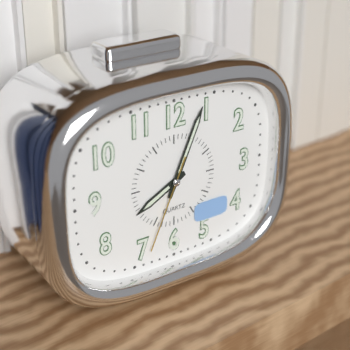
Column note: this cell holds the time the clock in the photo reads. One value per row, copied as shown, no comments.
8:04:34
